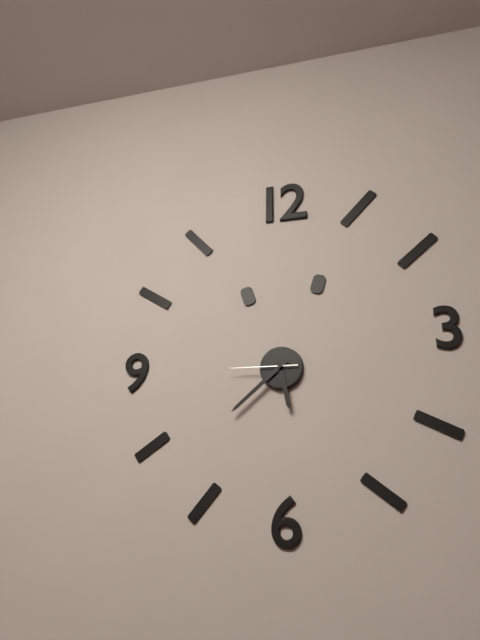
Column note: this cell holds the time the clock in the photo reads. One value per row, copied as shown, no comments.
5:38:45
